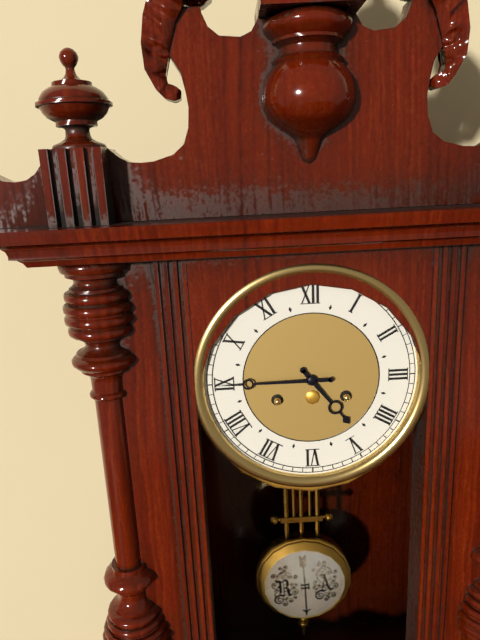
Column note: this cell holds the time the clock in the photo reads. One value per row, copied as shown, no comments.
4:45
